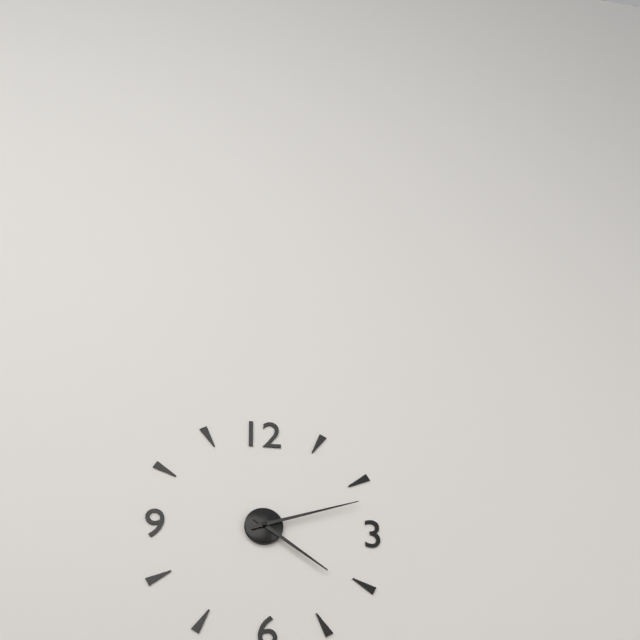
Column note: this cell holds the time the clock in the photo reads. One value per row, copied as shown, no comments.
4:12
